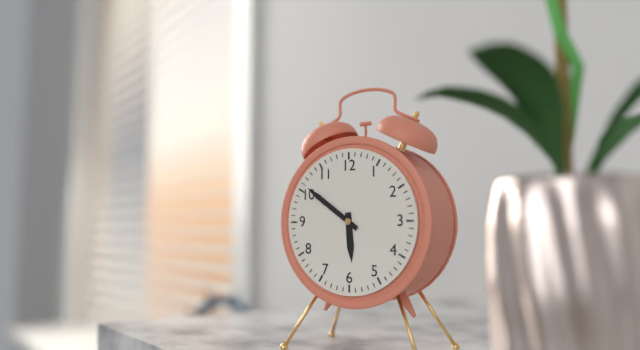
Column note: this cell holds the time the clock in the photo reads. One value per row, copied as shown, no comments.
5:51
